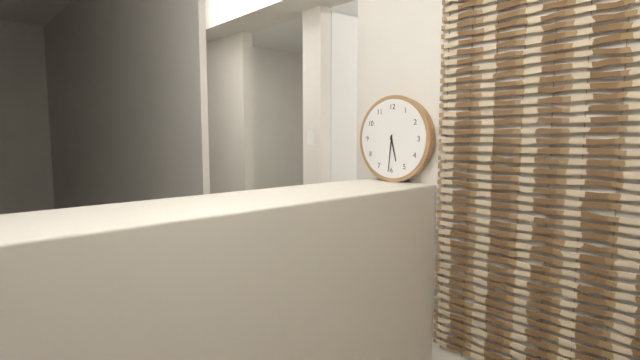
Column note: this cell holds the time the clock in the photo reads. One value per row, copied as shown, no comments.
5:31
